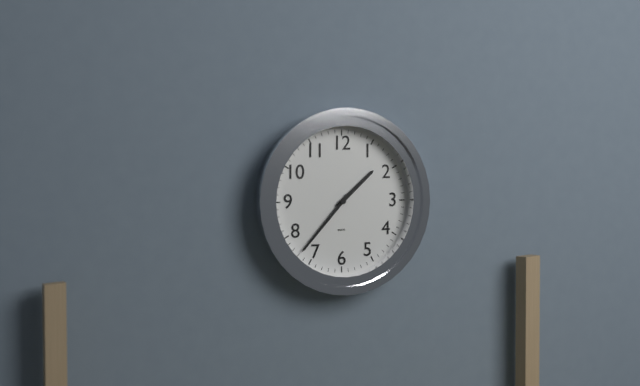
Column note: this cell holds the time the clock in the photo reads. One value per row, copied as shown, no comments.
1:37
